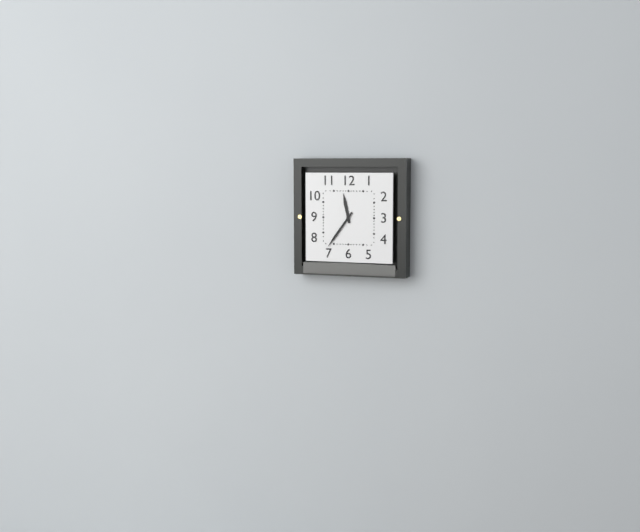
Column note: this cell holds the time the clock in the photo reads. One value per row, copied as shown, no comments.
11:36
